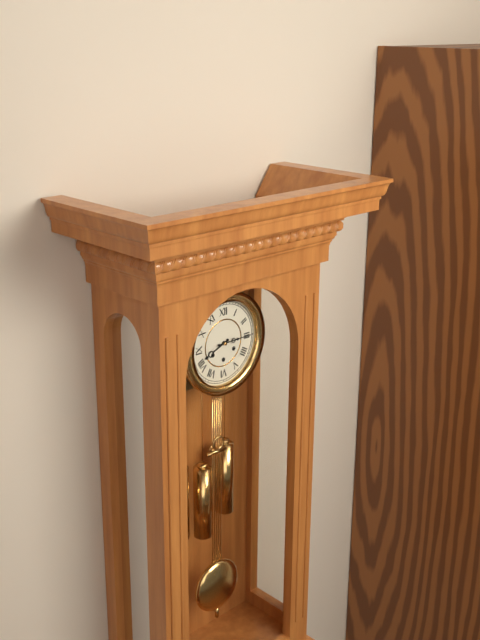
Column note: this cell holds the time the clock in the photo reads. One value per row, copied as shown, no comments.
8:15
